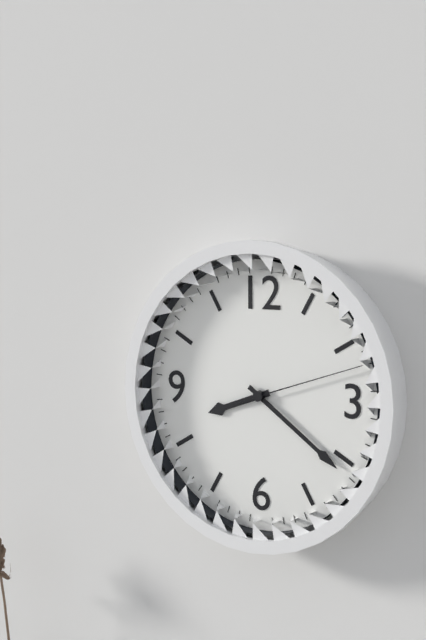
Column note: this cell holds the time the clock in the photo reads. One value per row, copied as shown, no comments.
8:21:12
